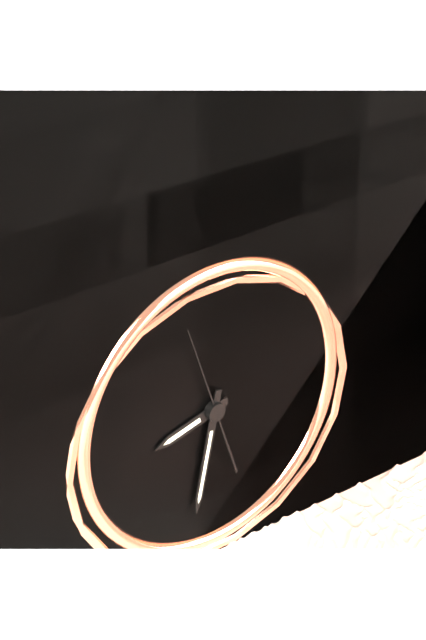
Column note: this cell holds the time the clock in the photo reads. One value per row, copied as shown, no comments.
8:32:57
